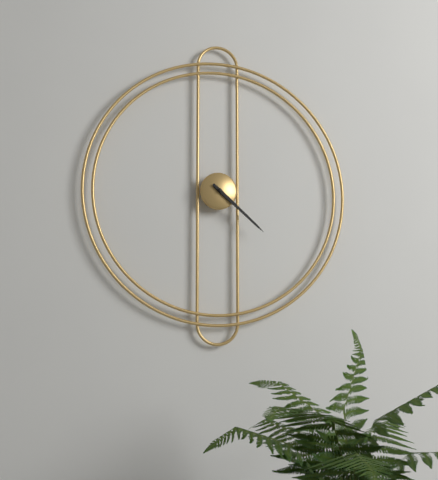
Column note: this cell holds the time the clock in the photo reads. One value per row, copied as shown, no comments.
4:22
